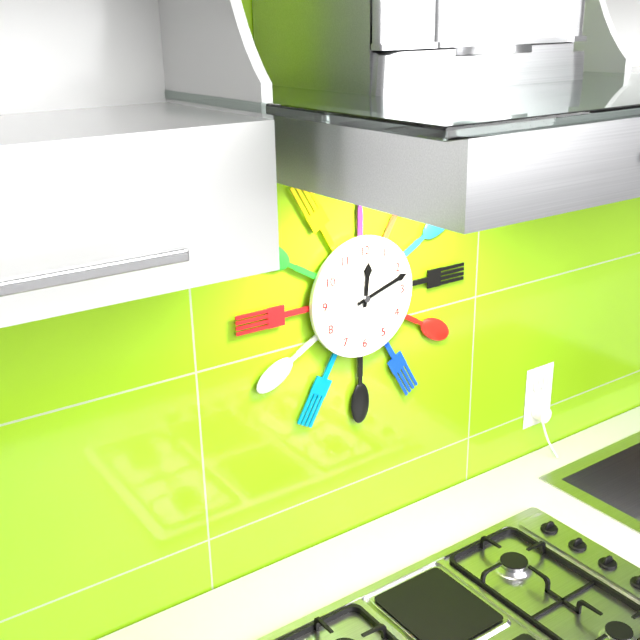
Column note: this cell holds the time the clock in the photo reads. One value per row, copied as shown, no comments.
12:12
